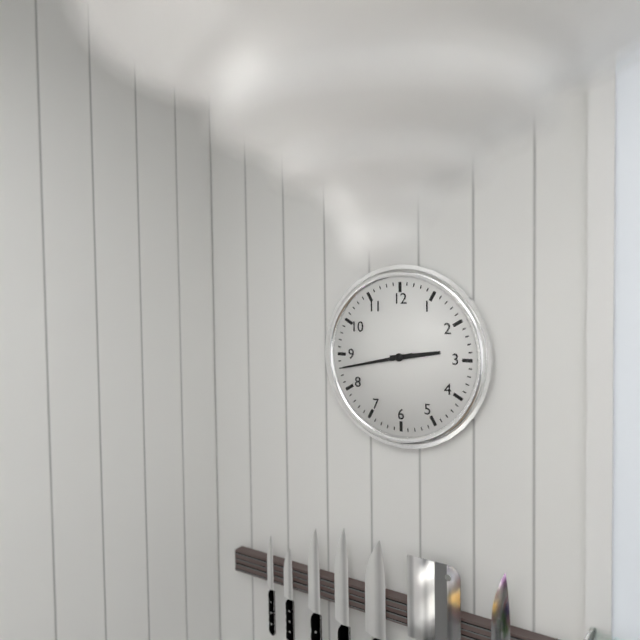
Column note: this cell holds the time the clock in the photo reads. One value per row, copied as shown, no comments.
2:43
